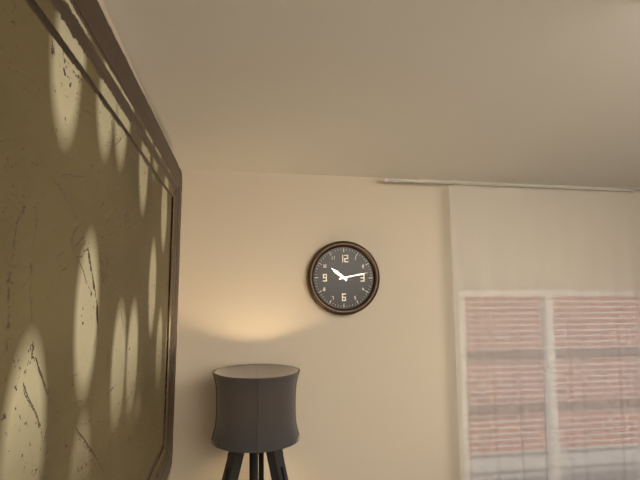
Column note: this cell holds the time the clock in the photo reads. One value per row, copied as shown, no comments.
10:13
